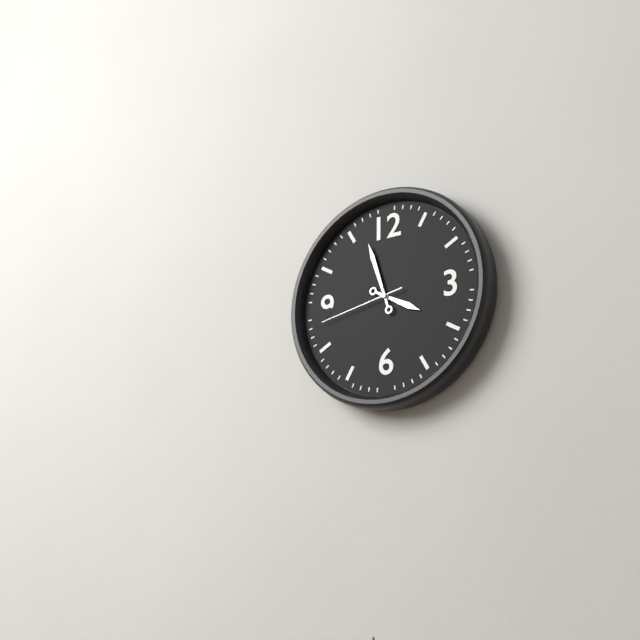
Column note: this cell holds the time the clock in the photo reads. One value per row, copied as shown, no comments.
3:57:43
